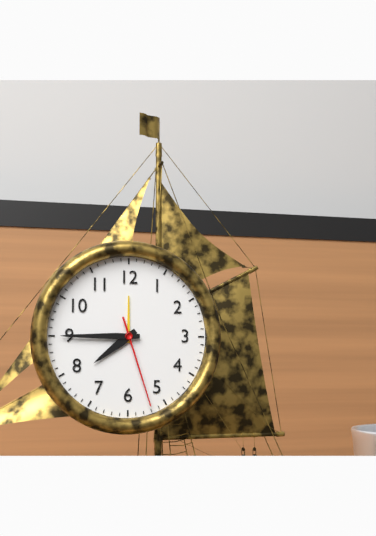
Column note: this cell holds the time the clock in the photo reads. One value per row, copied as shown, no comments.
7:45:27
